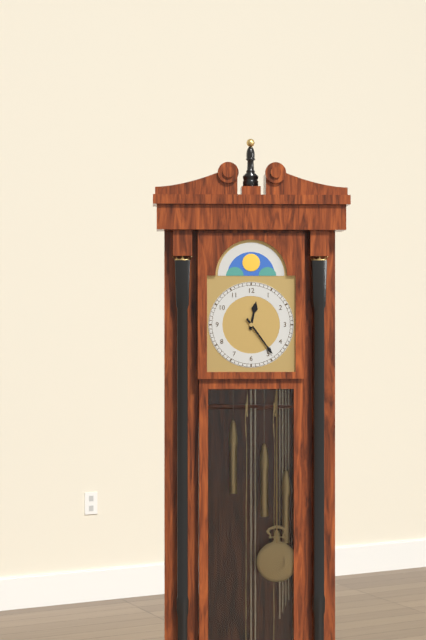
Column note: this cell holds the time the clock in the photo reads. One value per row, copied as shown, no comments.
12:24
